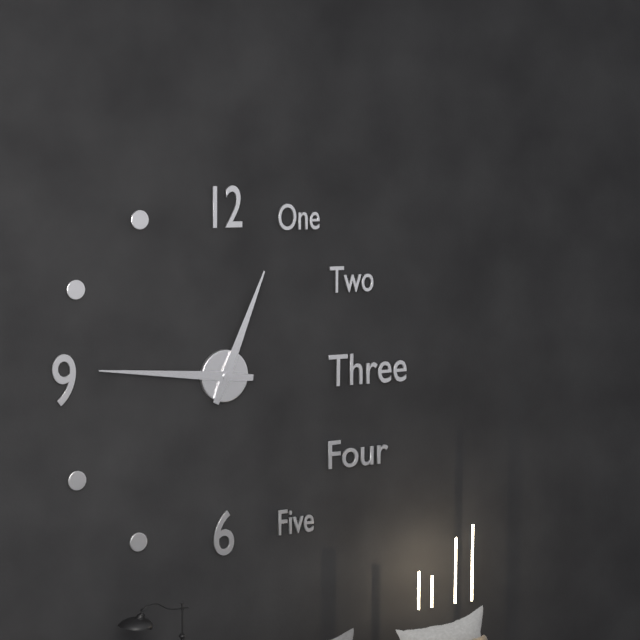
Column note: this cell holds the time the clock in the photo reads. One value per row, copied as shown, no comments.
12:46
